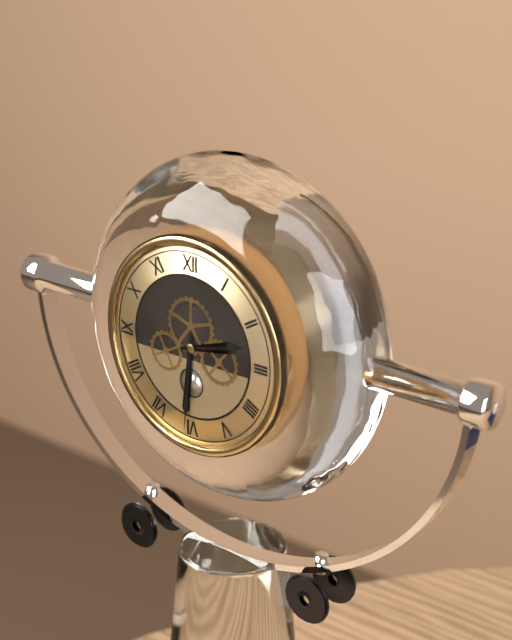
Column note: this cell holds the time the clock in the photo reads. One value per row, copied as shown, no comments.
2:31
